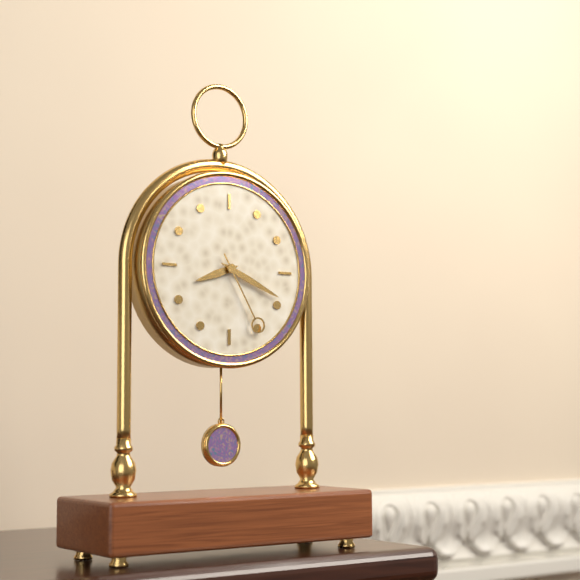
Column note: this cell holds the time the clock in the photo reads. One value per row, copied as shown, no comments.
8:19:25
